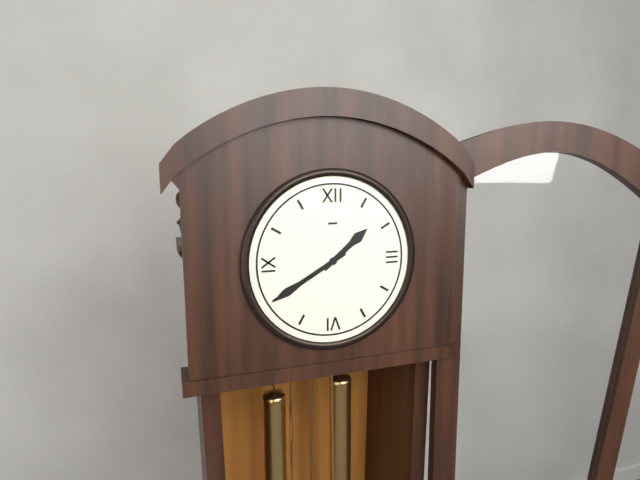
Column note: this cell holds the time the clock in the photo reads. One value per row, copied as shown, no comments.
1:40
